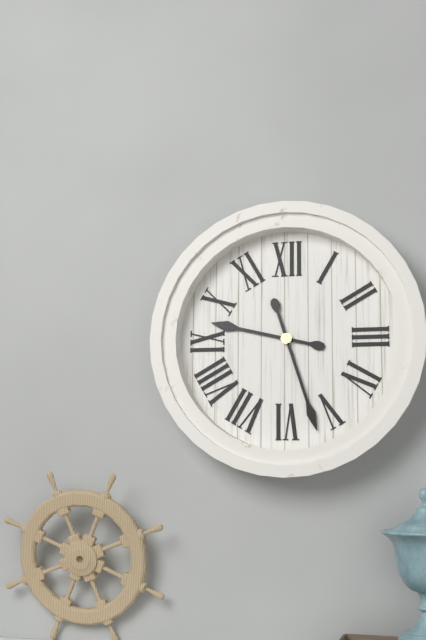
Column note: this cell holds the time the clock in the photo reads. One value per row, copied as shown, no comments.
9:27
